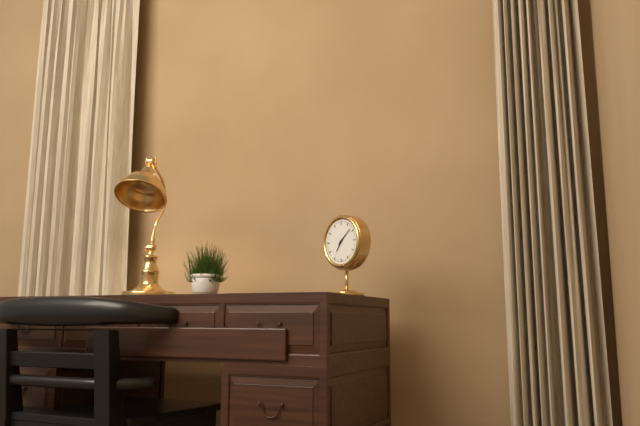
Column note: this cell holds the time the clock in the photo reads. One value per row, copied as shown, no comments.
7:08
